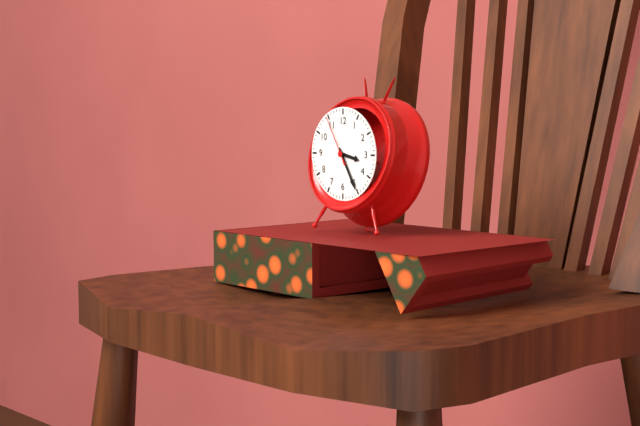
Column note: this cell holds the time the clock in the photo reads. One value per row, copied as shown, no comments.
3:25:55
